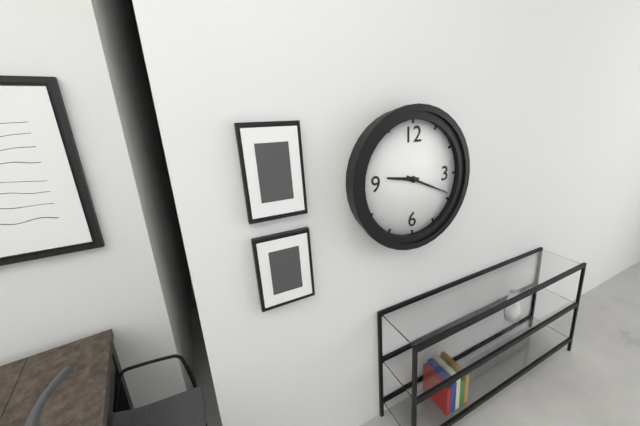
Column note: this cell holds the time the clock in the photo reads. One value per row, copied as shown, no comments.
9:19
